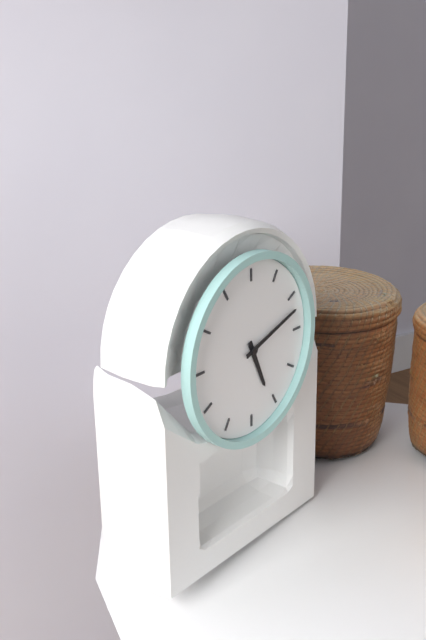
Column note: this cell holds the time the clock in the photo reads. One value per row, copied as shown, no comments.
5:12
